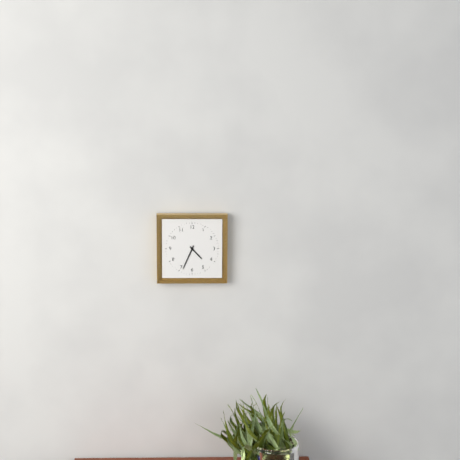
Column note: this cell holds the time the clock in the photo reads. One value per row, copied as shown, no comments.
4:34
